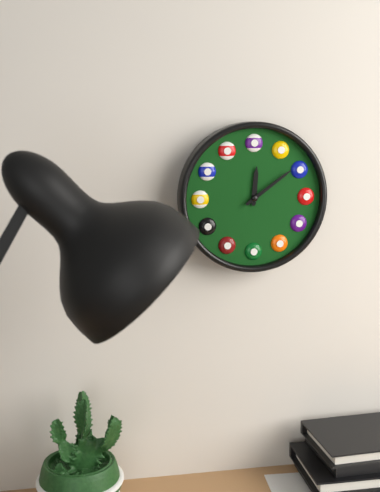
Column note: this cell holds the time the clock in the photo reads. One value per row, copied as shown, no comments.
12:09
